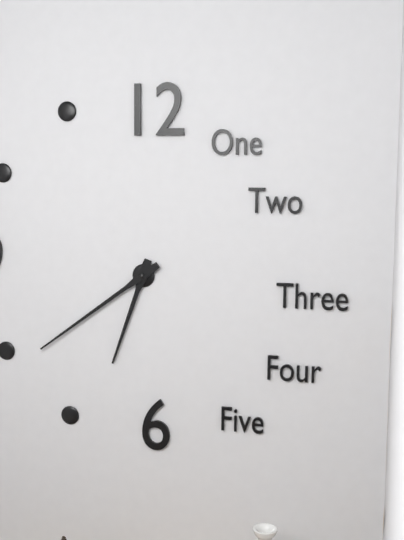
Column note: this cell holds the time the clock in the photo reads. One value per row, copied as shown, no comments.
6:39
